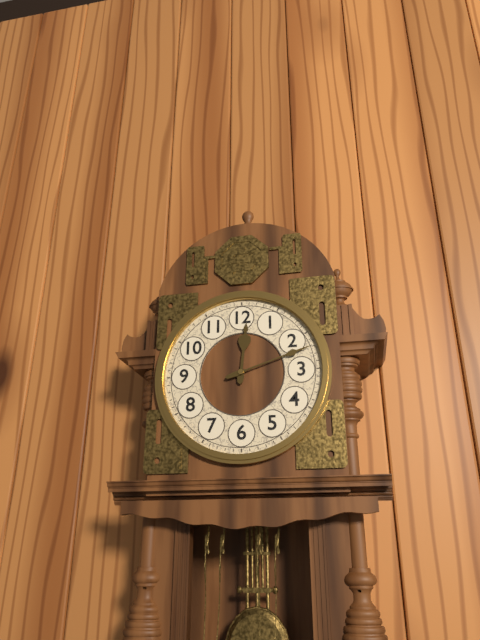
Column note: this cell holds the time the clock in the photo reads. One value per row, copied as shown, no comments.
12:12
